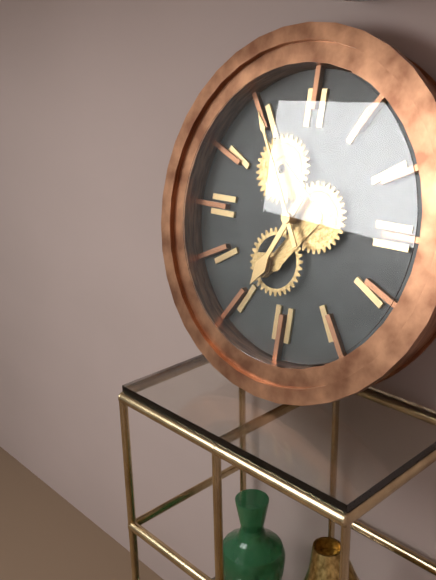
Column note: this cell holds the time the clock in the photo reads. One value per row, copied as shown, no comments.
6:55
